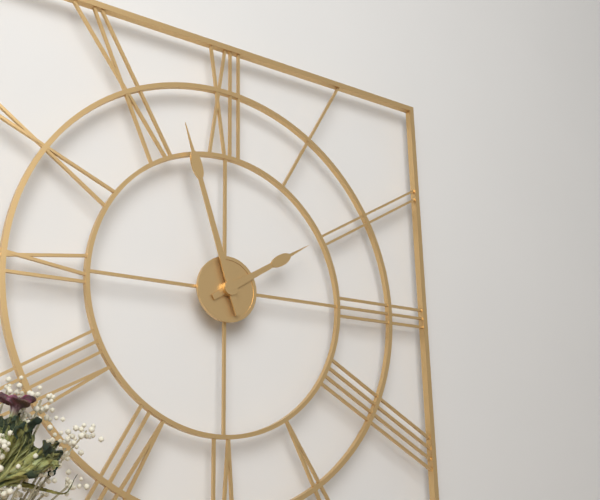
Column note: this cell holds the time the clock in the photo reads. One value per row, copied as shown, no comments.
1:57
